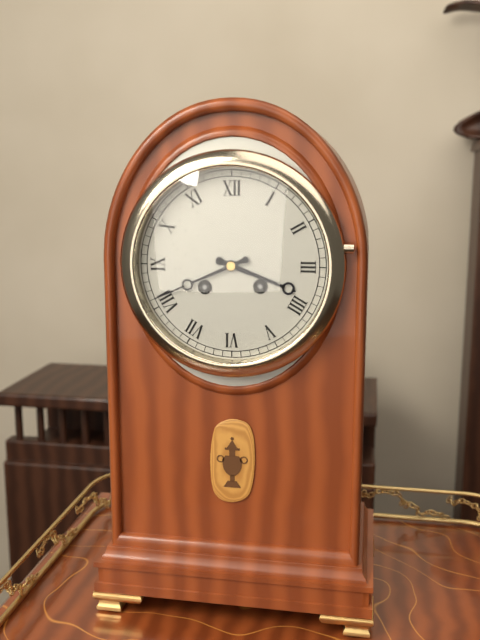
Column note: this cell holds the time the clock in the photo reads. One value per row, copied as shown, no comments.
3:41
